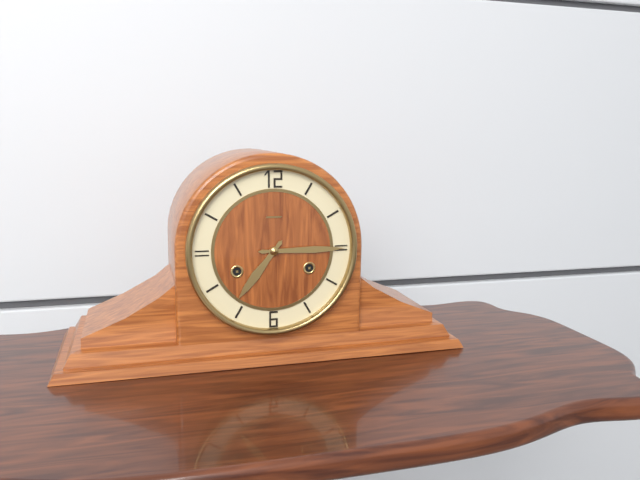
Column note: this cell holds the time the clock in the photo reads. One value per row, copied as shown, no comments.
7:15
